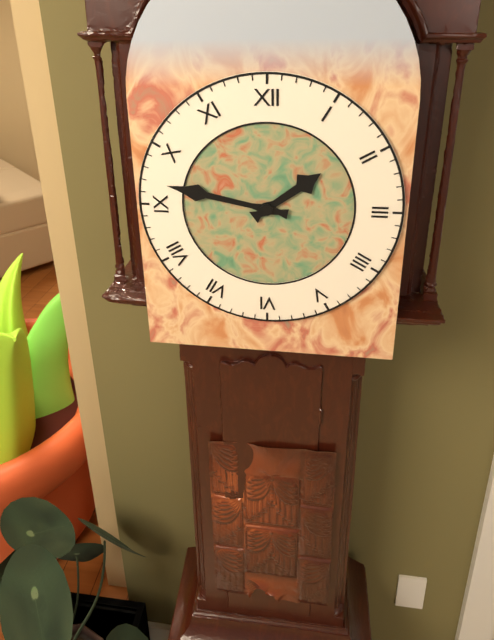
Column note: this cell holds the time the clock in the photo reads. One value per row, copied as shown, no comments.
1:47
